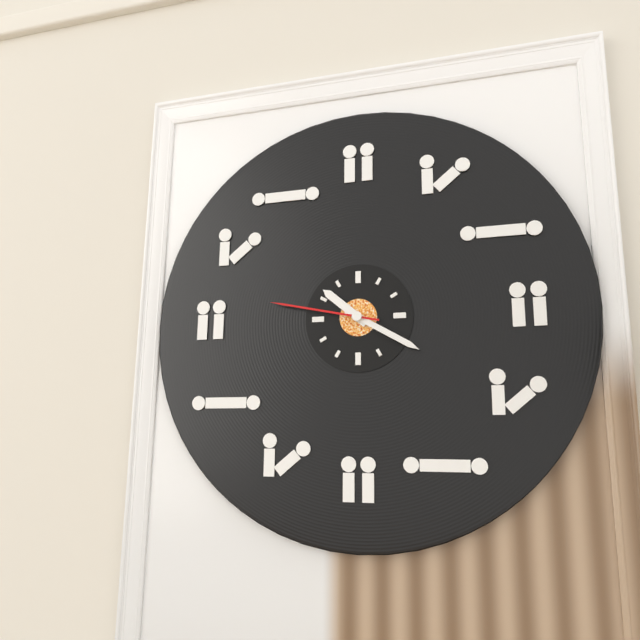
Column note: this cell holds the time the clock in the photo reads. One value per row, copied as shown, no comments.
10:20:47
